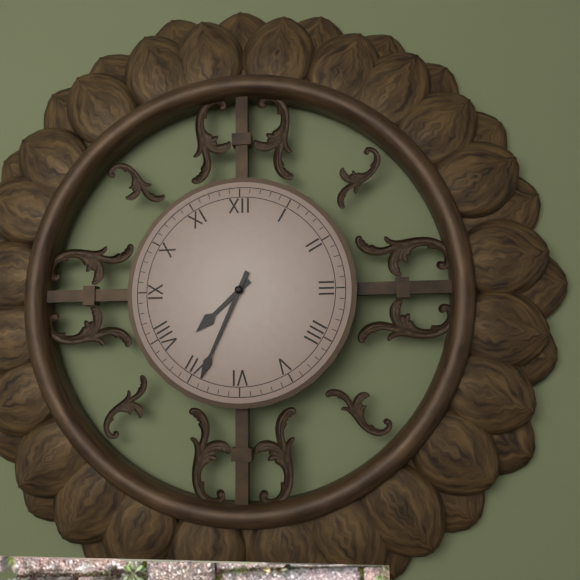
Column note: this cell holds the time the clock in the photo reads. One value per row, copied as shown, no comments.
7:34
